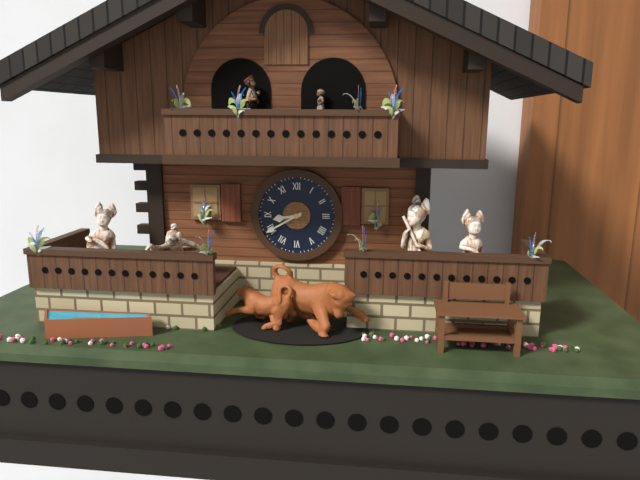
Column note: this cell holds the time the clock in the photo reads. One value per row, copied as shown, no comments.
8:40
